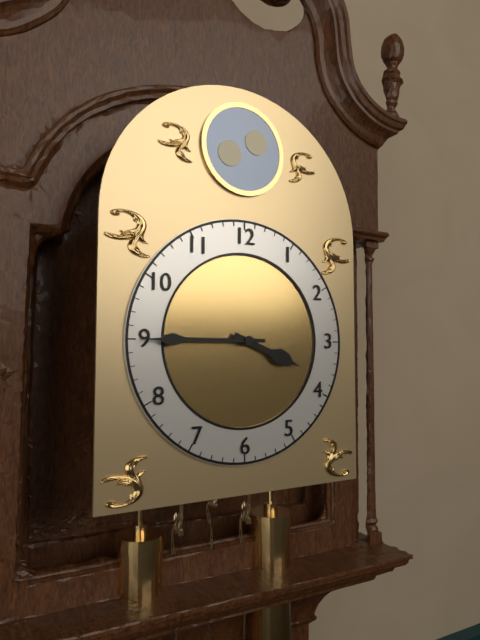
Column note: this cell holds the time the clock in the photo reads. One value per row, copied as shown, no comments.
3:45
